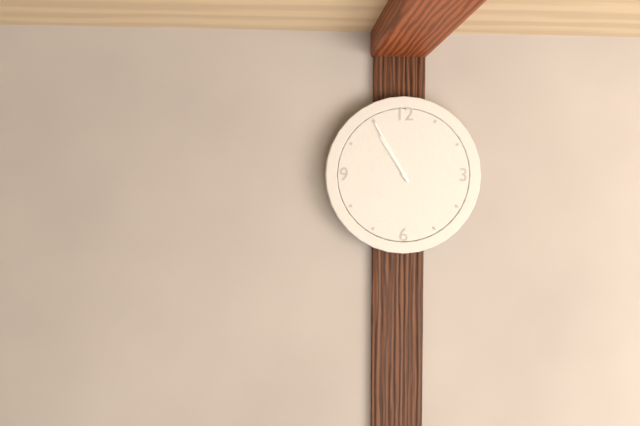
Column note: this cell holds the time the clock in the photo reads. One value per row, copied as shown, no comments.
10:55
